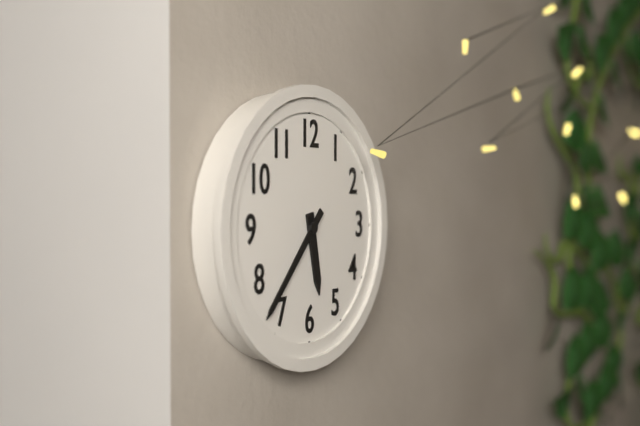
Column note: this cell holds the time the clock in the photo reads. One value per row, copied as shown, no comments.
5:37
